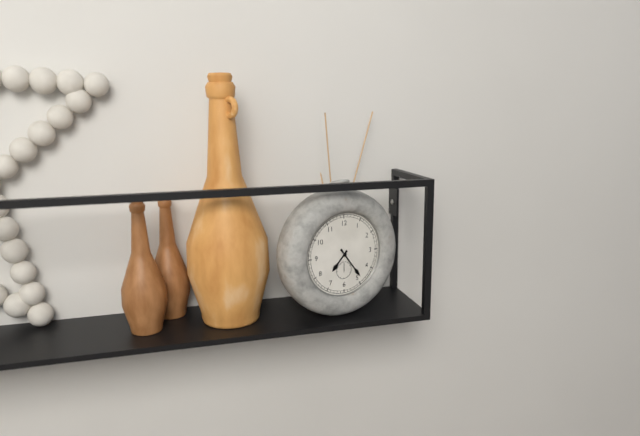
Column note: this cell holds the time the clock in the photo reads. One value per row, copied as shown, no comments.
7:24
